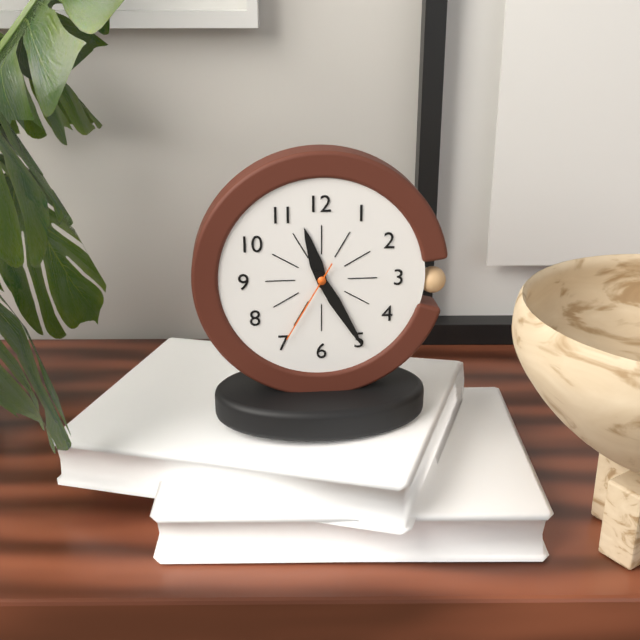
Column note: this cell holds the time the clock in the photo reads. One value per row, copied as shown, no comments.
11:25:35
